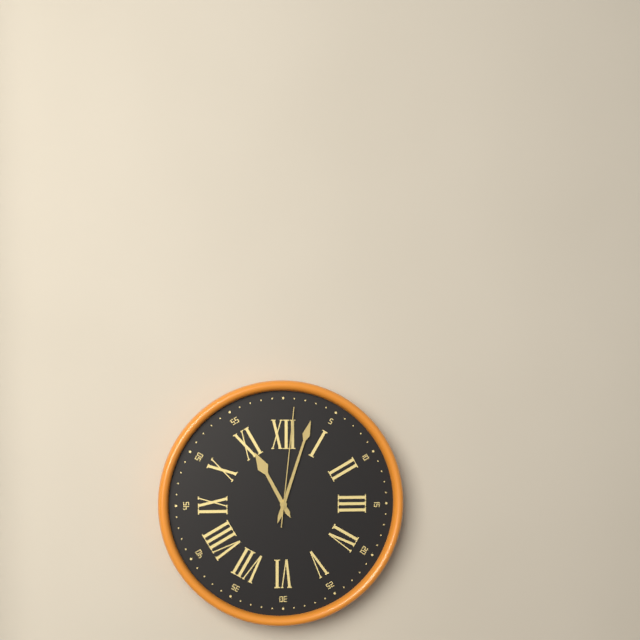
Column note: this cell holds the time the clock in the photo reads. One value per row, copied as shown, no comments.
11:03:01
